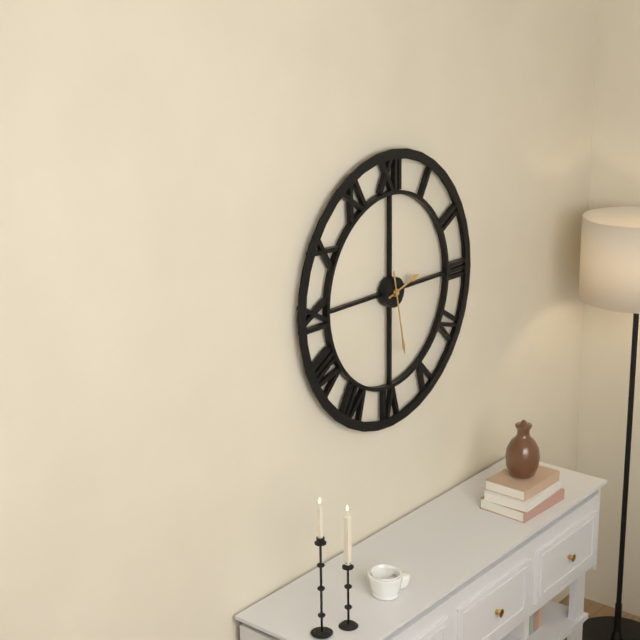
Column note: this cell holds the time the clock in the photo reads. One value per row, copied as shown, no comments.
2:28
